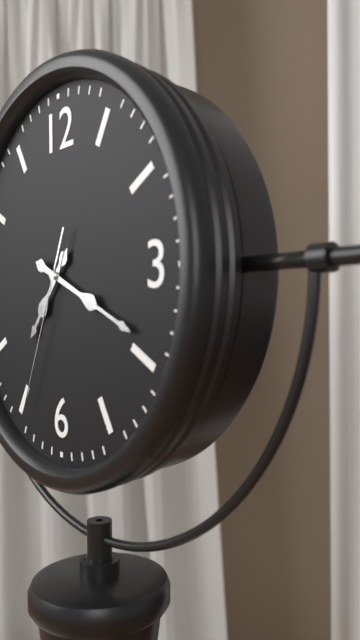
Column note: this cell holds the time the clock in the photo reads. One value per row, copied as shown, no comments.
7:19:34
